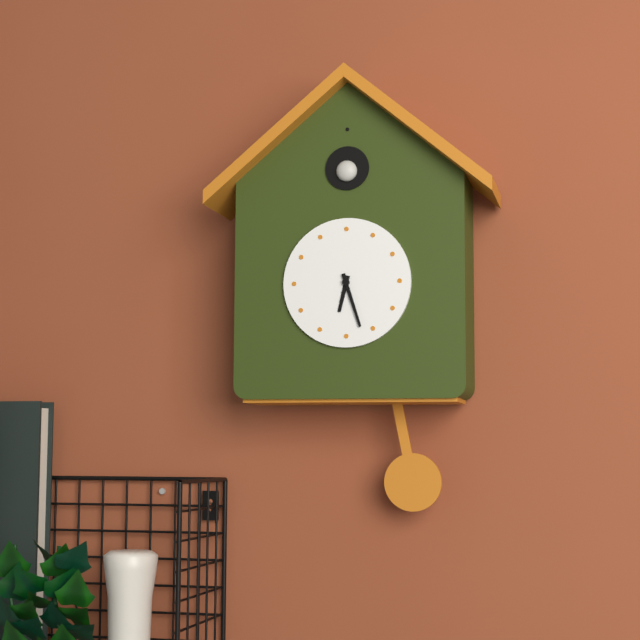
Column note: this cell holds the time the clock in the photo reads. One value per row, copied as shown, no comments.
6:27
